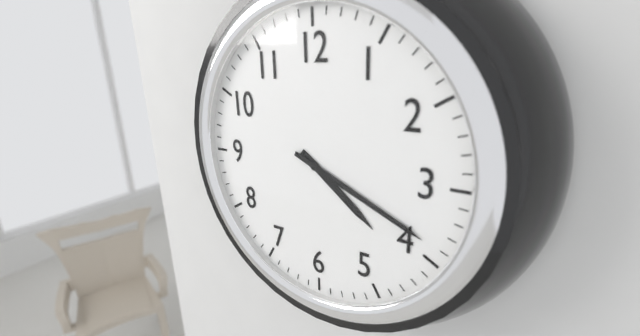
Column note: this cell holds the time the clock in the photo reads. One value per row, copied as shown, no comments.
4:19
